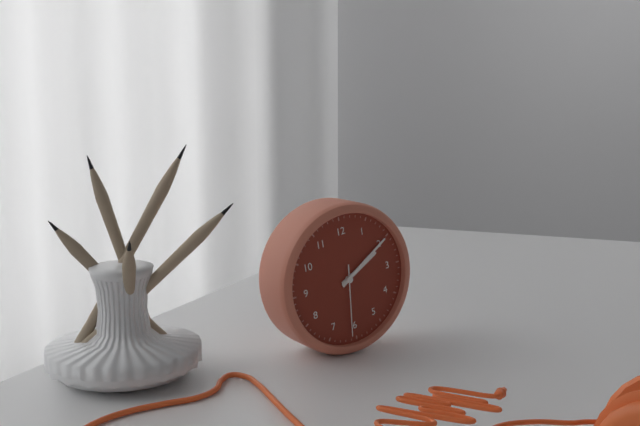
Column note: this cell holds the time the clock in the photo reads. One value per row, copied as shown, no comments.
2:10:31
